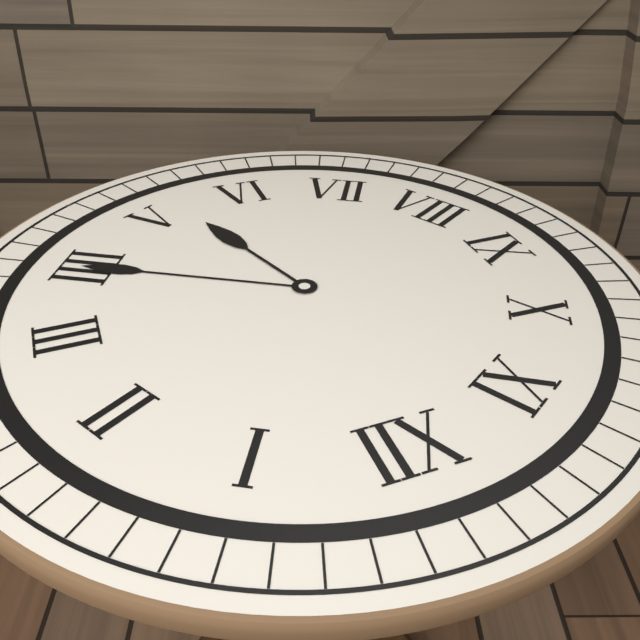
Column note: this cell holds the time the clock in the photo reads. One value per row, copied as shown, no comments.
5:20
